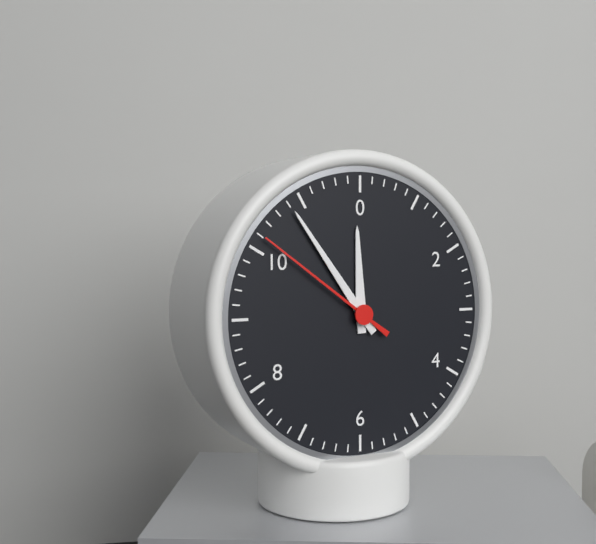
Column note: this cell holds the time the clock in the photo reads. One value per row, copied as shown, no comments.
11:54:51
